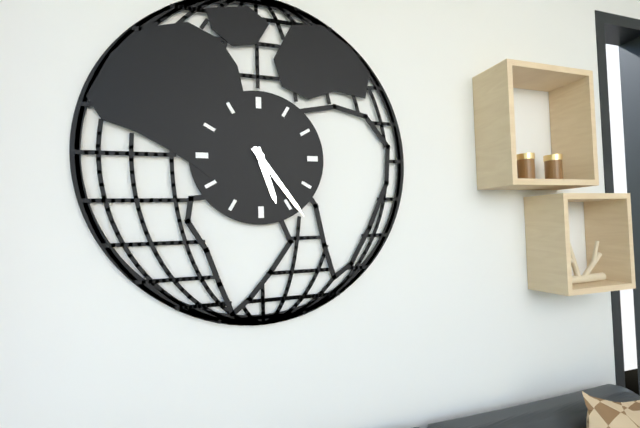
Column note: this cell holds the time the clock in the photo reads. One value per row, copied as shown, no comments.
5:24
